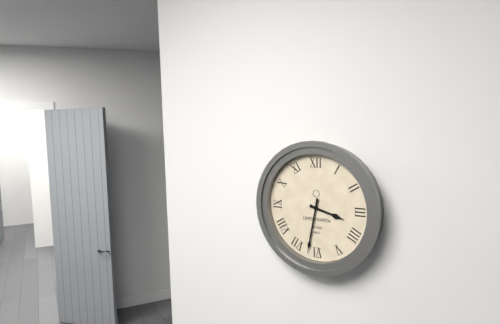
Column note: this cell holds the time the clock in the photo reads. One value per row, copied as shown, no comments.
3:32
